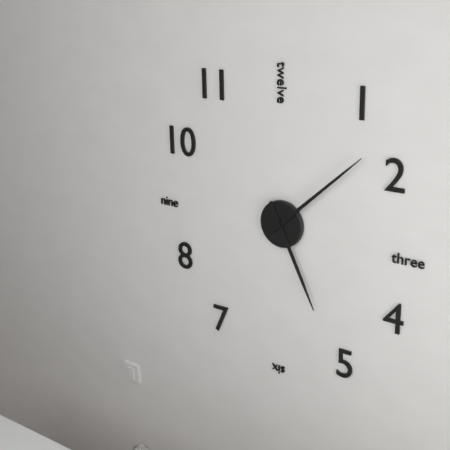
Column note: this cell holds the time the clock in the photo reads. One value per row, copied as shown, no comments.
5:08
